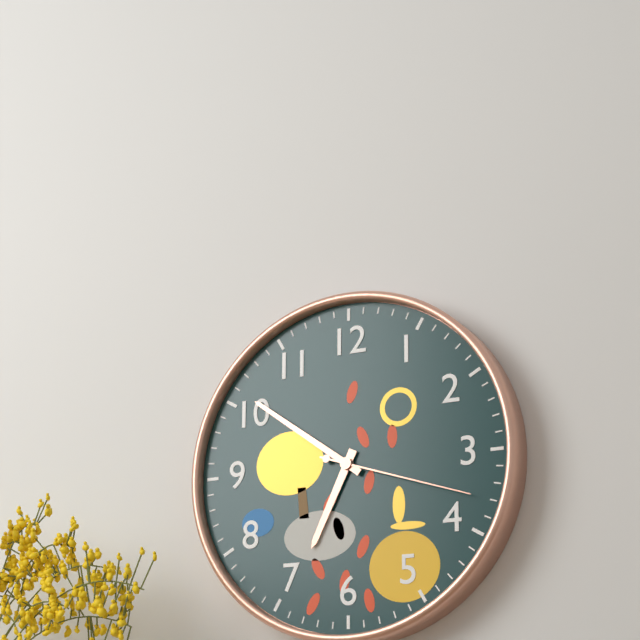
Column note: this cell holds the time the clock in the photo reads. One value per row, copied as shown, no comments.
6:51:18
